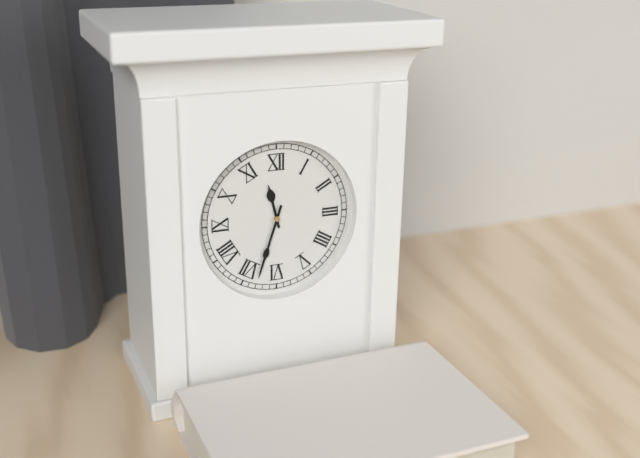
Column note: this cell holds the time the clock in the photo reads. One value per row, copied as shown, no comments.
11:33
